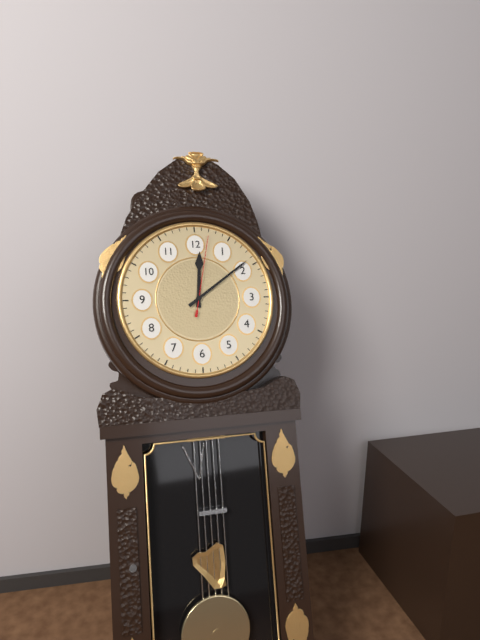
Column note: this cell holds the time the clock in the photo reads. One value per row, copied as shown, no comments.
12:09:02
